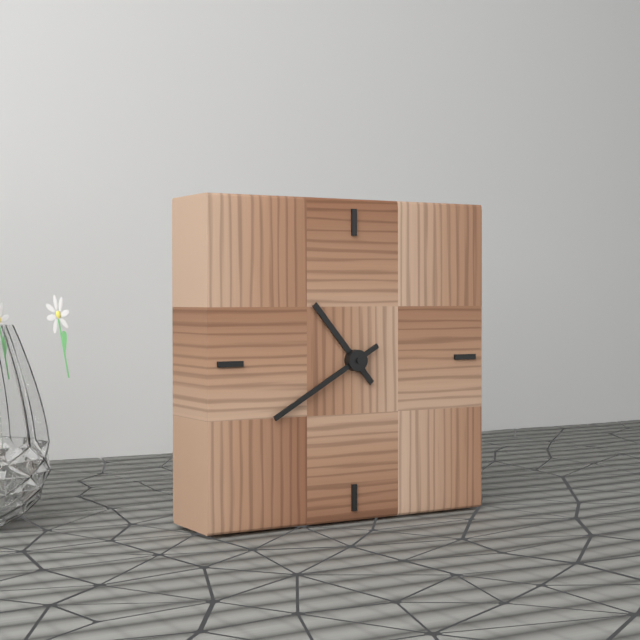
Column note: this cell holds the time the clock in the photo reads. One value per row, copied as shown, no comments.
10:40
